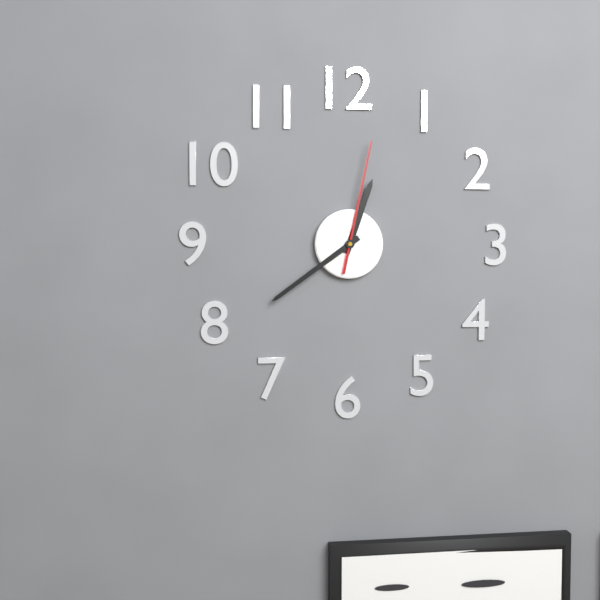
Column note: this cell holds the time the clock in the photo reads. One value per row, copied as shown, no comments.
12:39:02
